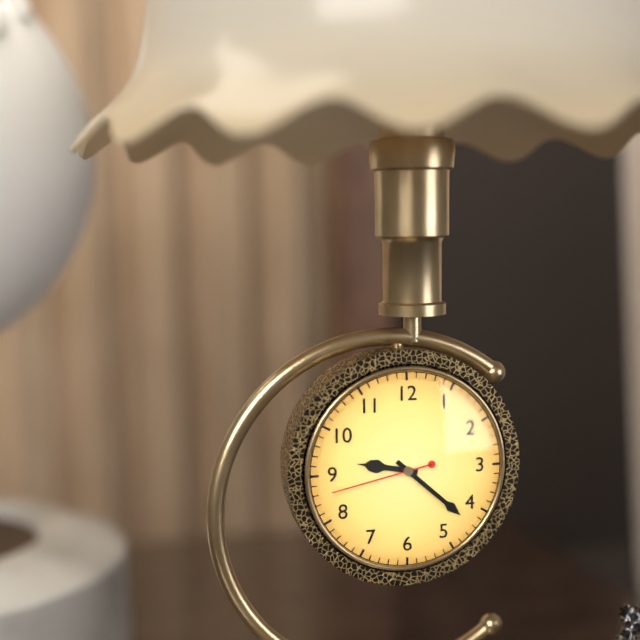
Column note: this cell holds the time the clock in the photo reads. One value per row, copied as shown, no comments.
9:22:43
